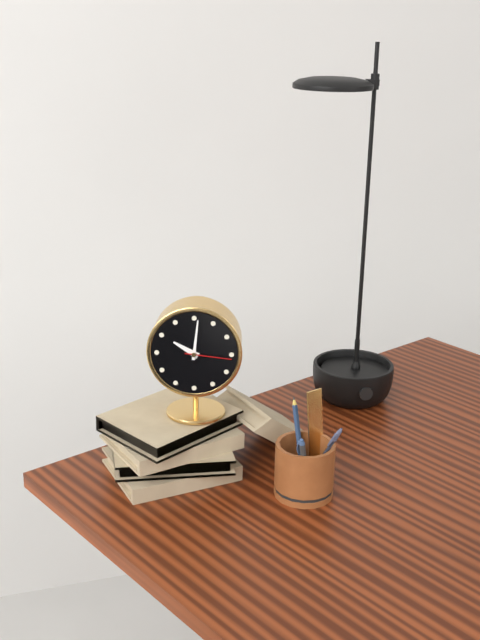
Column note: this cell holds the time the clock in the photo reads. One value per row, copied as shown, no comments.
10:01
